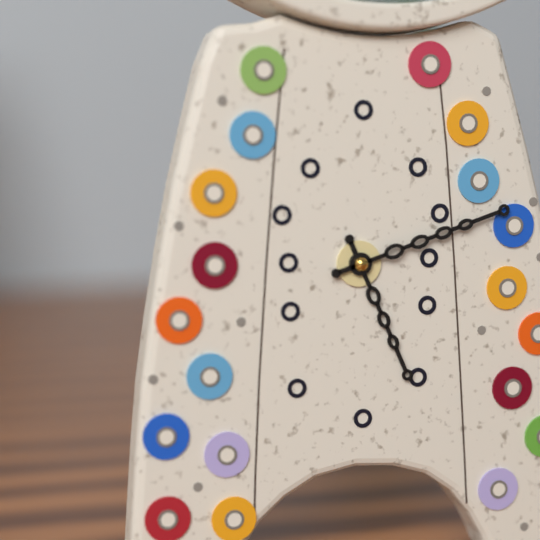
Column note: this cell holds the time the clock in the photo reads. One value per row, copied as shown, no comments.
5:12
